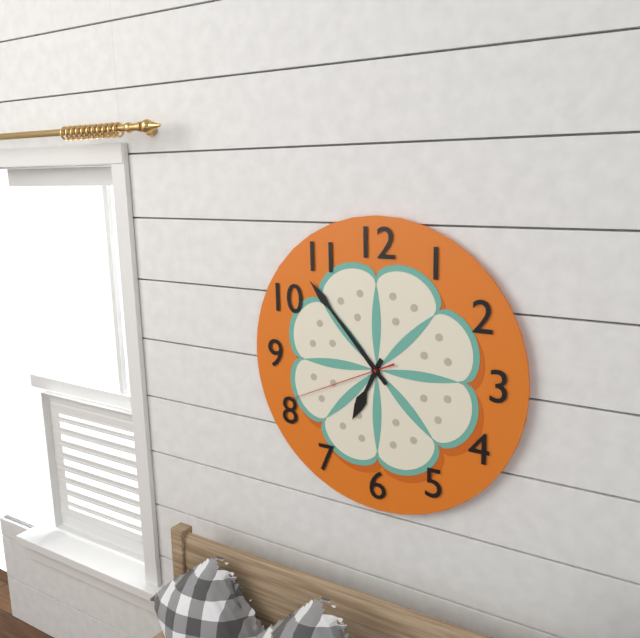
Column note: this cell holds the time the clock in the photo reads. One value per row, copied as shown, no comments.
6:53:41
